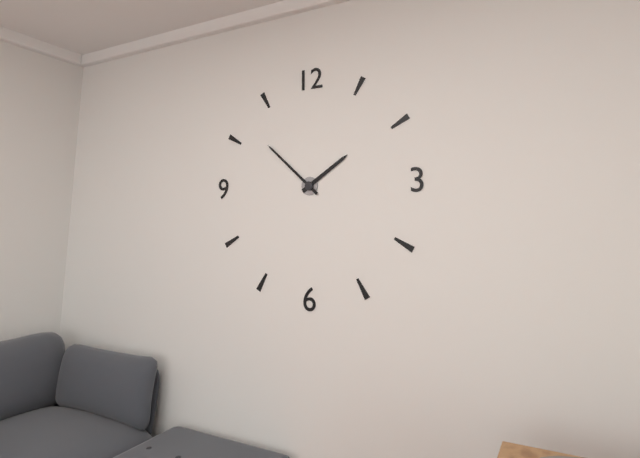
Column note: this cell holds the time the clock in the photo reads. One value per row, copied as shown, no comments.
1:52
